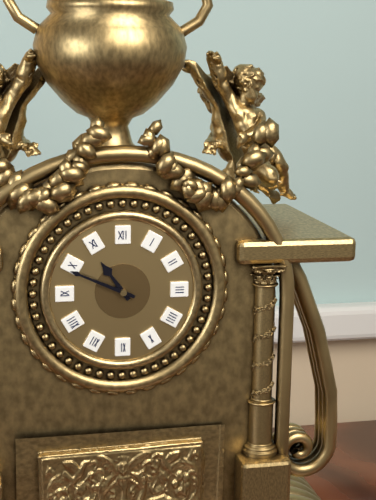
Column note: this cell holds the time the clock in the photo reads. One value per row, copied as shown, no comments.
10:49
